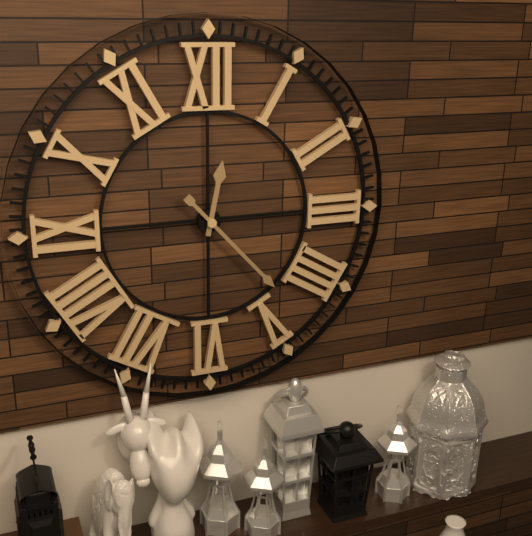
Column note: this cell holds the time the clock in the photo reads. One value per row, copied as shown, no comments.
12:23
